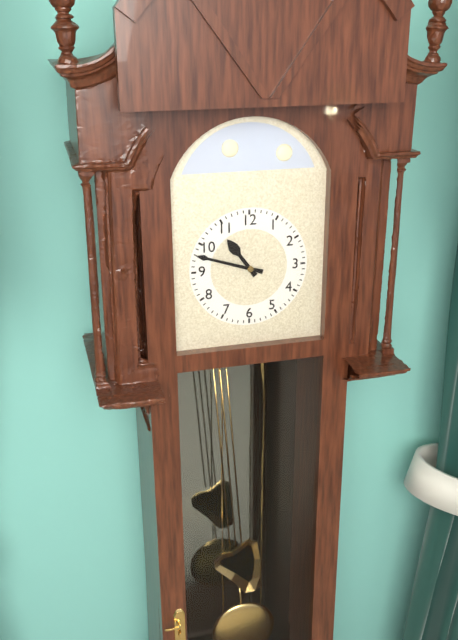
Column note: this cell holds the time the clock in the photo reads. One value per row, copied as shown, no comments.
10:48
